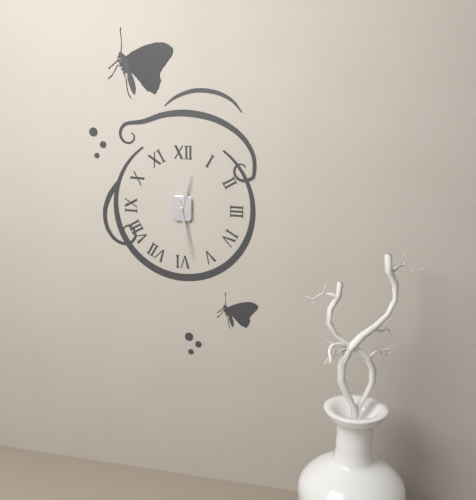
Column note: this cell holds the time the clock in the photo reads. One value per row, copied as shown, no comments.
12:28
